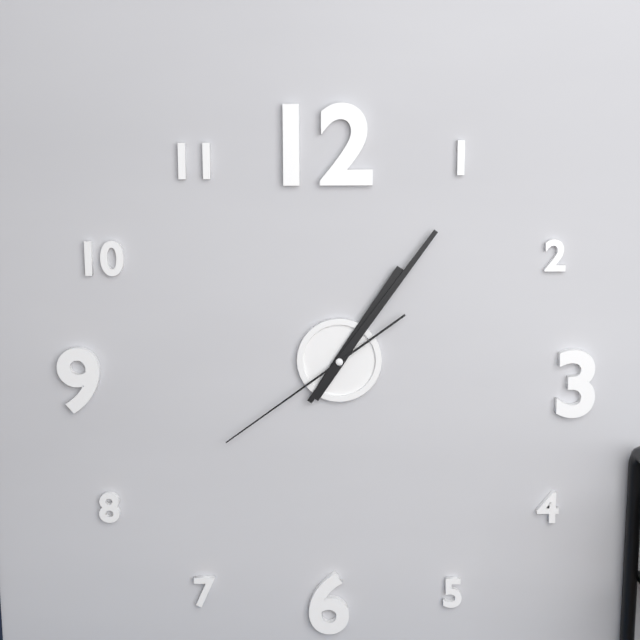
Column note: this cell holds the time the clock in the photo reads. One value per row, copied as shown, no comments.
1:06:39
